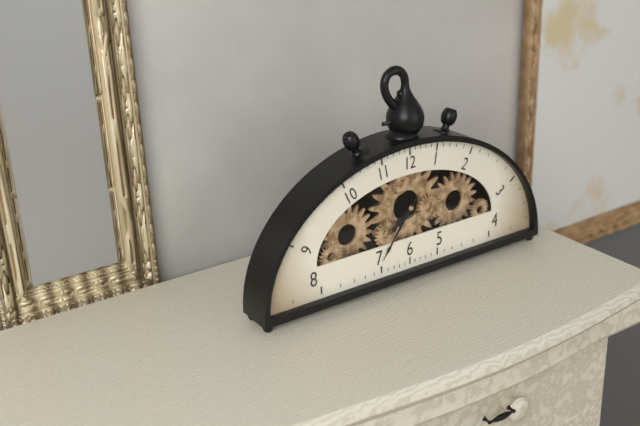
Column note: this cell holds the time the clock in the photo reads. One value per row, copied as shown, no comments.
7:36
